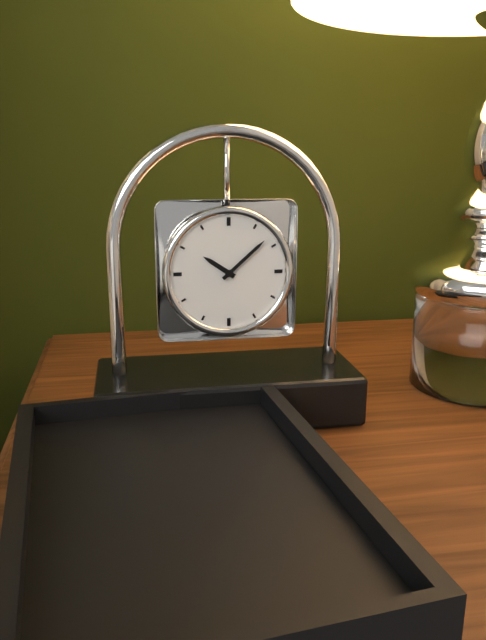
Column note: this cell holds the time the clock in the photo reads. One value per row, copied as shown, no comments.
10:08
